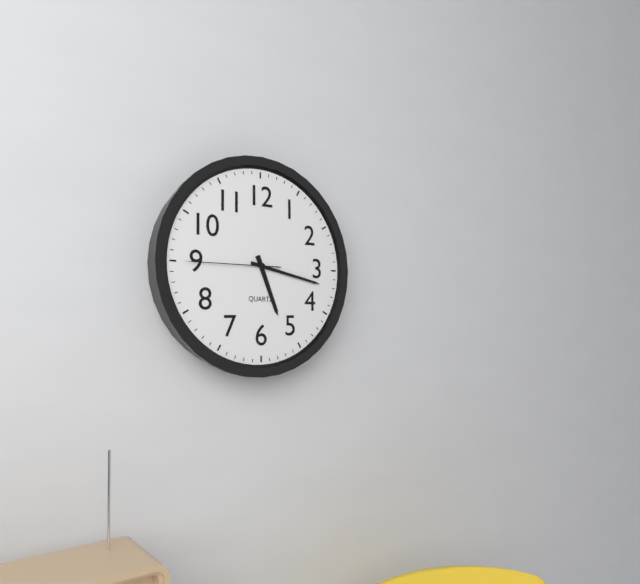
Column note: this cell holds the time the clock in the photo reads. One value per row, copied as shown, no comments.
5:17:45
